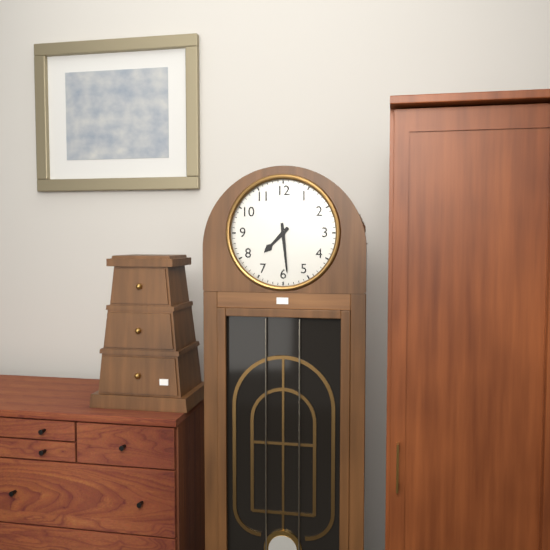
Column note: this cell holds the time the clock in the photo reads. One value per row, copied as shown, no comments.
7:29
